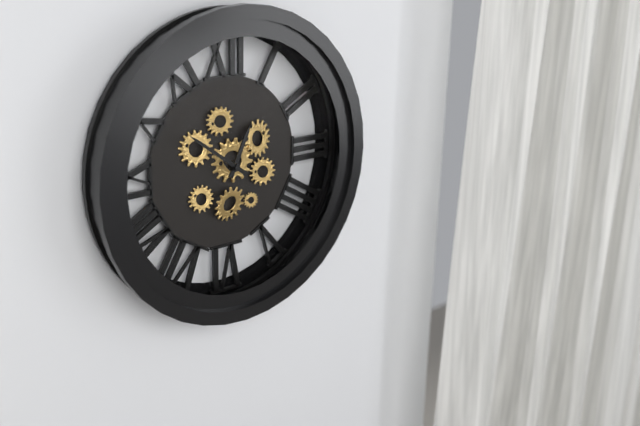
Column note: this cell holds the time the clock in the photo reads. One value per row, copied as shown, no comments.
12:51
